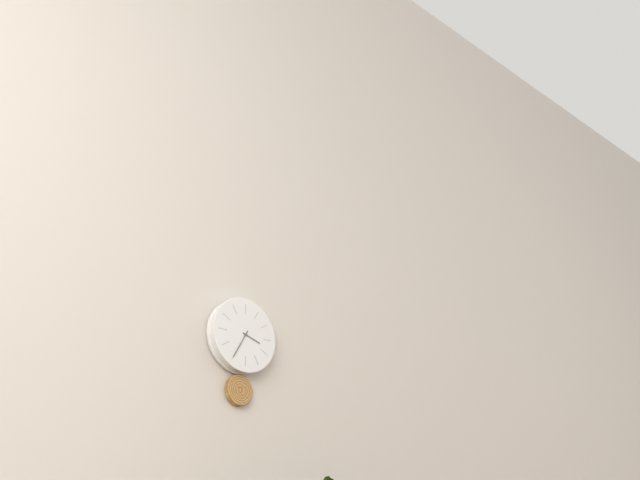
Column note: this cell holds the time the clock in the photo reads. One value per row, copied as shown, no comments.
3:35
